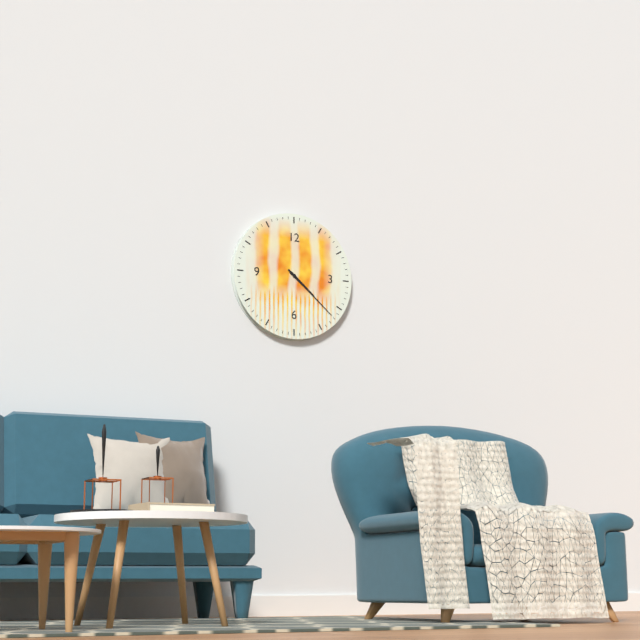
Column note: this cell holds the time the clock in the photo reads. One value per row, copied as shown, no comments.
4:22
